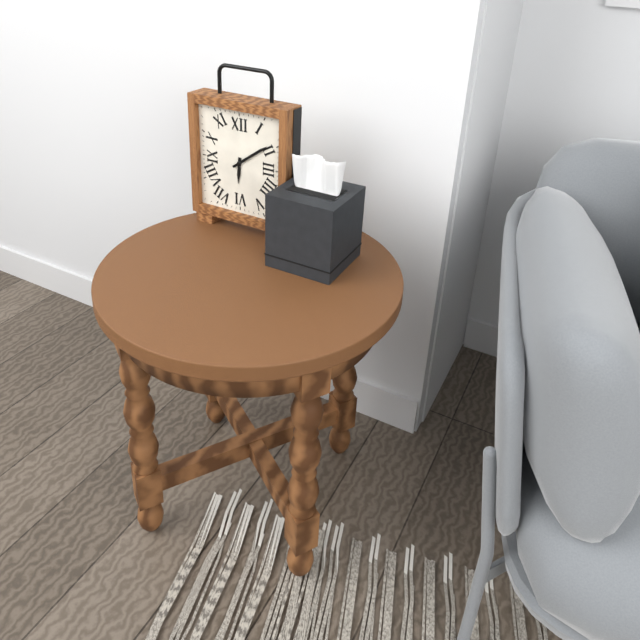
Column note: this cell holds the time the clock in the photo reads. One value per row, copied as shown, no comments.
6:09
